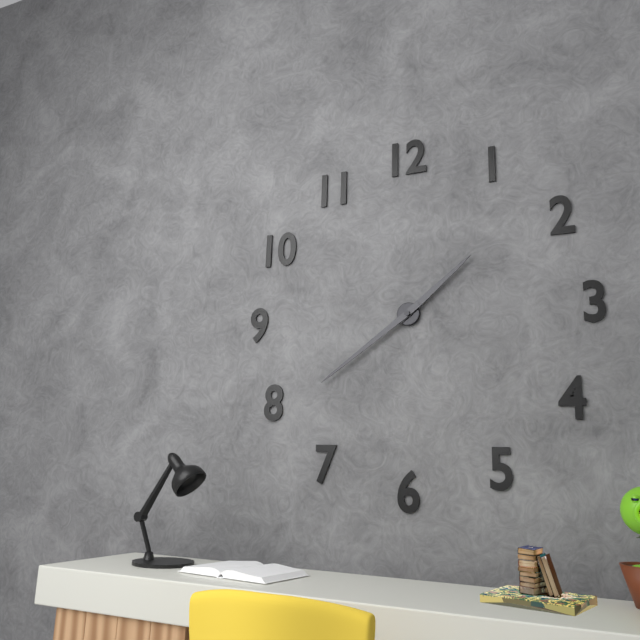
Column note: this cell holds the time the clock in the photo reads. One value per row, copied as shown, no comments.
1:39
